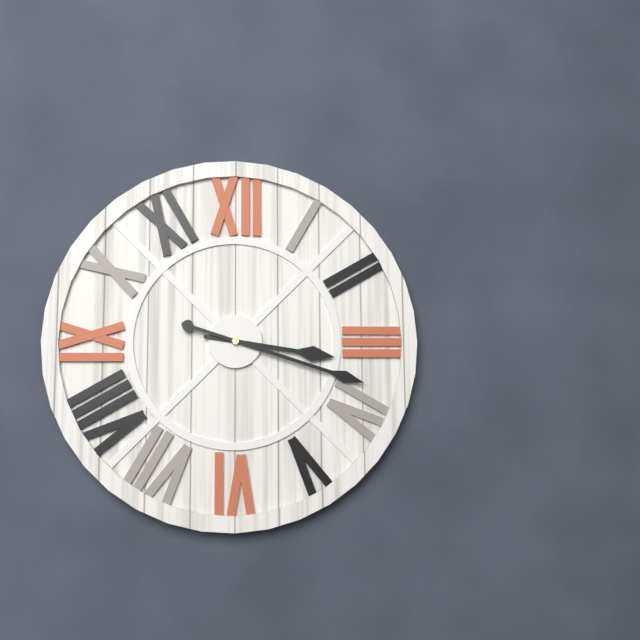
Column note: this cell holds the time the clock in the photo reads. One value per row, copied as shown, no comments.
3:18
